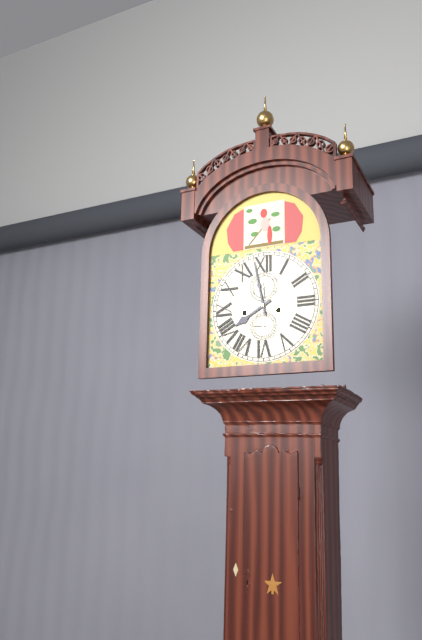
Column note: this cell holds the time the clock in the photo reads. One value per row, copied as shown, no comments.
7:58
